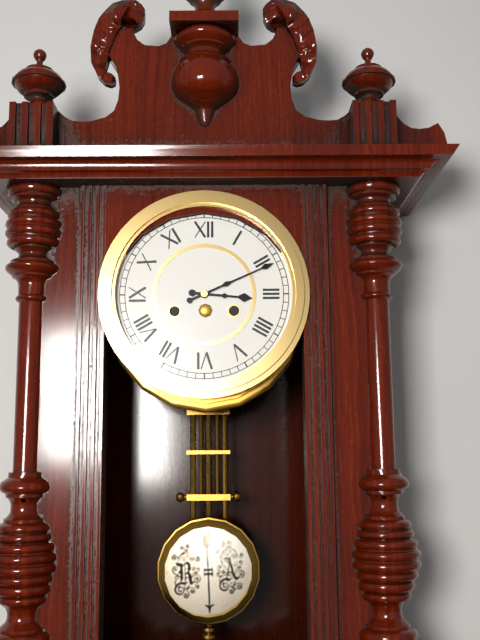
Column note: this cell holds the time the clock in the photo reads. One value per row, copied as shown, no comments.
3:11
